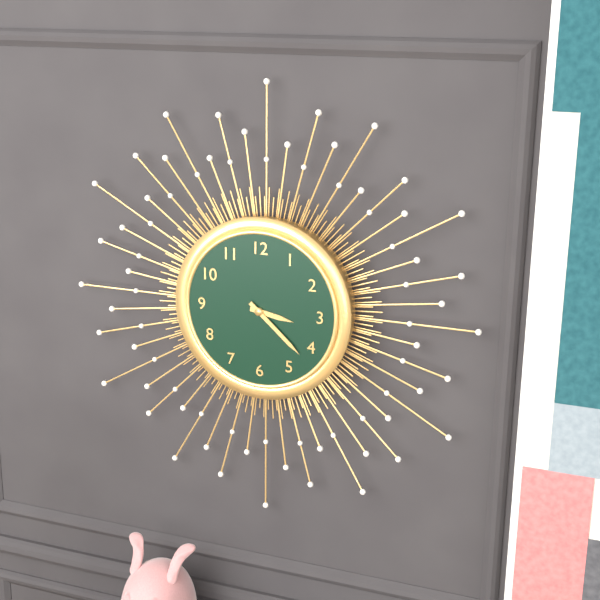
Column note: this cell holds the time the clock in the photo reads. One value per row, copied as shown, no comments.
3:22
